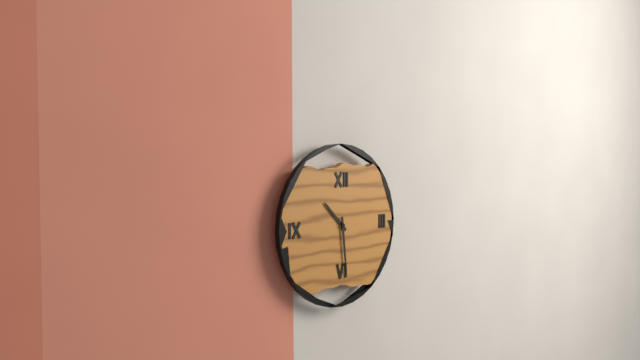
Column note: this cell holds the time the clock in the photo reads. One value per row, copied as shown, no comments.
10:29
